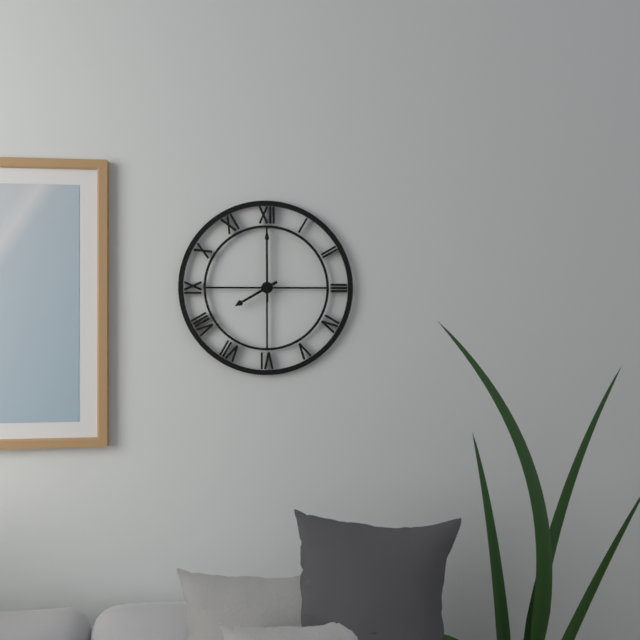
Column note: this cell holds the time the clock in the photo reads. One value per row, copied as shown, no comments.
8:00
